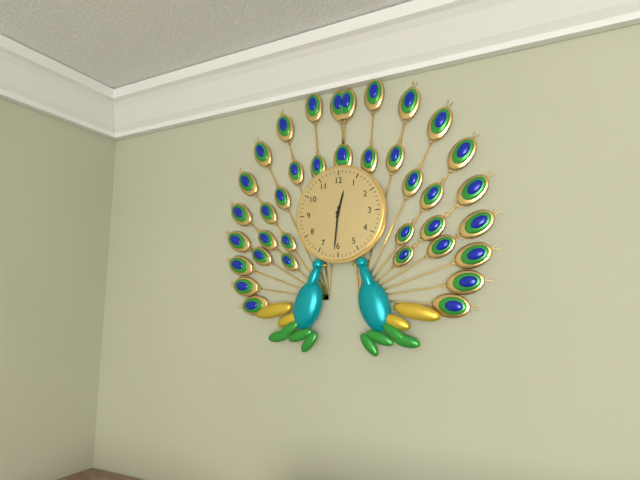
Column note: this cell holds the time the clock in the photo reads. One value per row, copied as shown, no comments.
12:31
